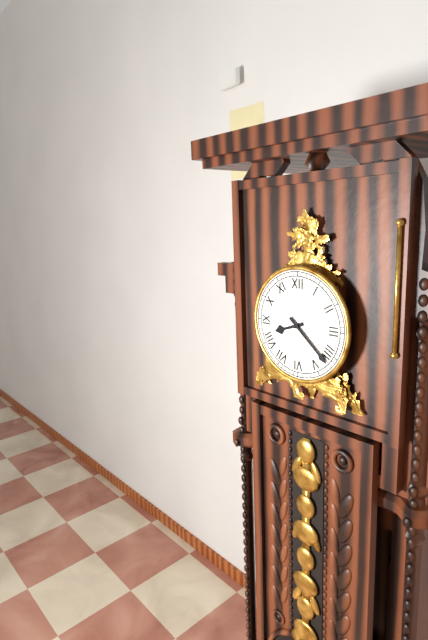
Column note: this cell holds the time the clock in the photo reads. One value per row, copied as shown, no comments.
8:22
